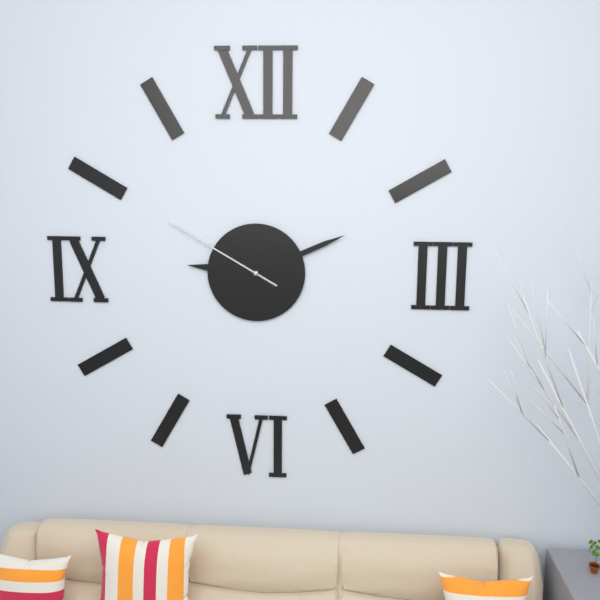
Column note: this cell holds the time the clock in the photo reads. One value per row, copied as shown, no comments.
9:11:50
